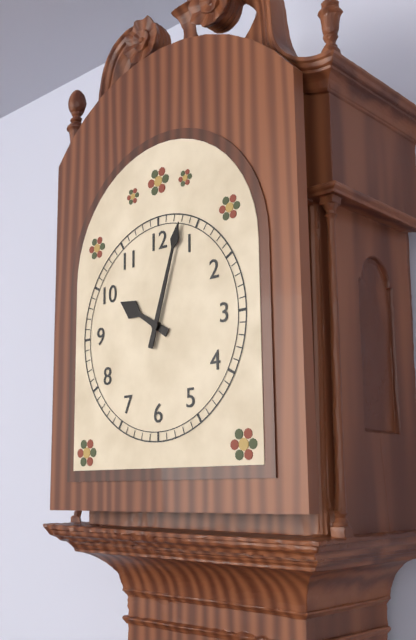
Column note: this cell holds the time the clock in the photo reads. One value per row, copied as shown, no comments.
10:03
